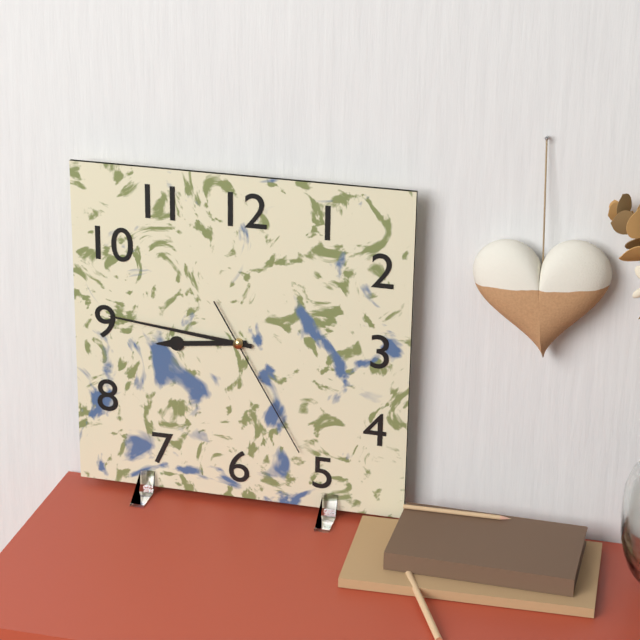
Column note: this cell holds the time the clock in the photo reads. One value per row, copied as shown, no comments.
8:46:25
